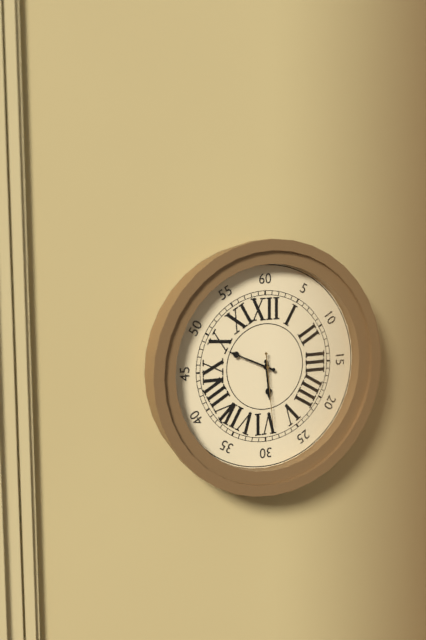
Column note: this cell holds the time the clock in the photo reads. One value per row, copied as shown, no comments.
5:49:29
